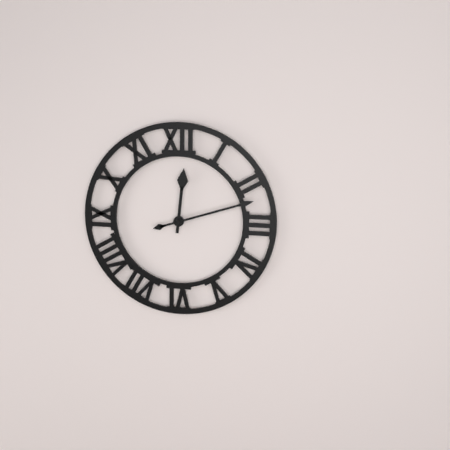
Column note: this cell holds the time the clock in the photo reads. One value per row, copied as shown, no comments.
12:12
